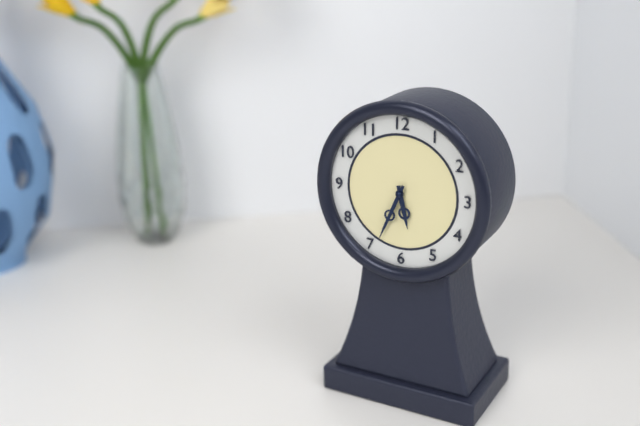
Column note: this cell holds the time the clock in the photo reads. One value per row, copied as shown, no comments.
5:34
